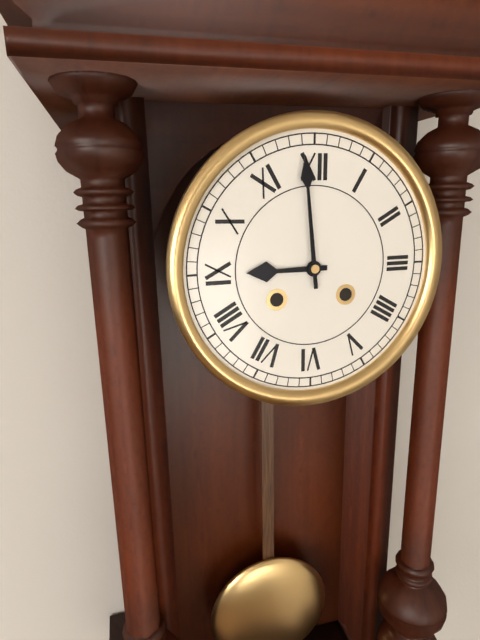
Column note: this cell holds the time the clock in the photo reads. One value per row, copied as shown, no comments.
8:59
